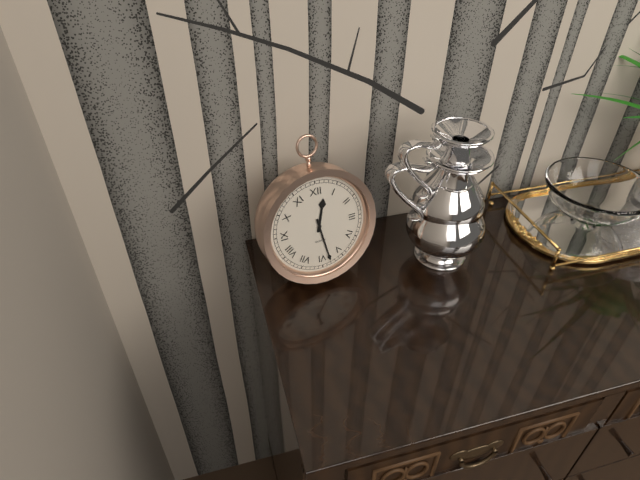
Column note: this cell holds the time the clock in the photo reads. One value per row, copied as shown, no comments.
12:28
